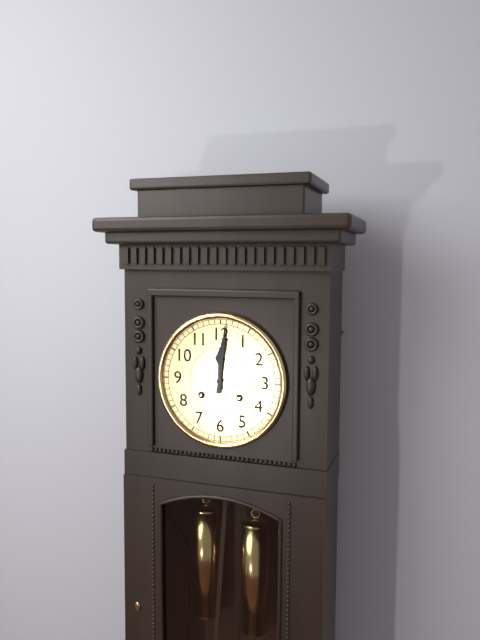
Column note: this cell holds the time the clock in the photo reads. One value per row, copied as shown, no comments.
12:01
